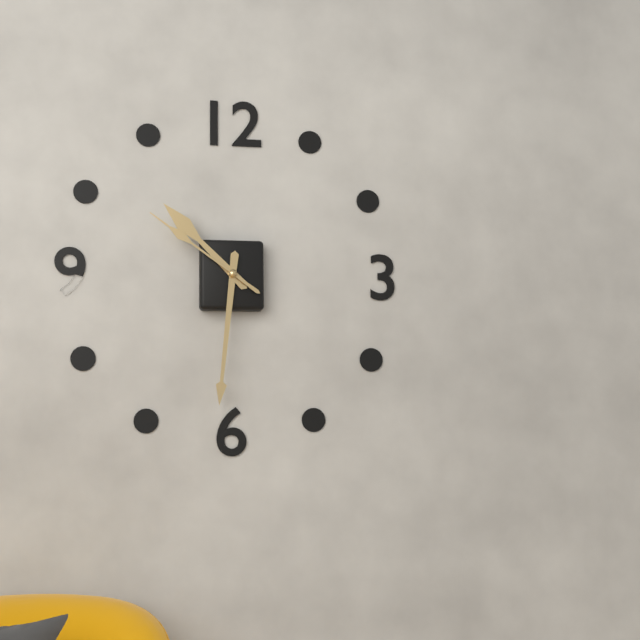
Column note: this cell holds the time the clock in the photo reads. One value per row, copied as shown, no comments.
10:31:51
